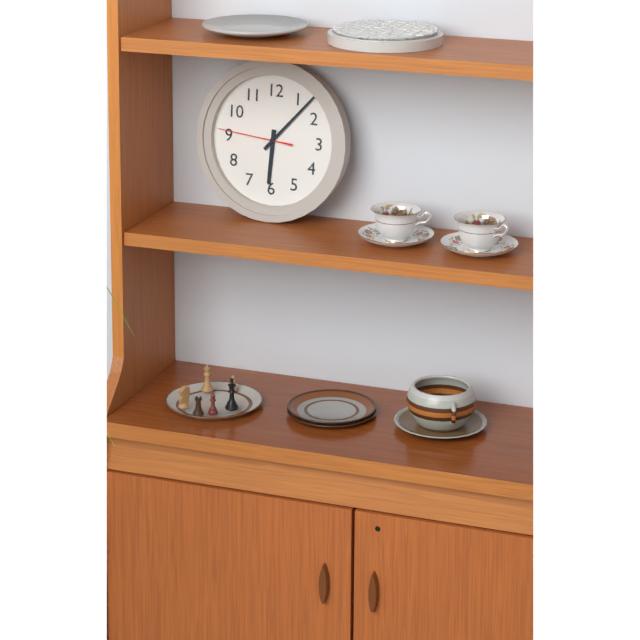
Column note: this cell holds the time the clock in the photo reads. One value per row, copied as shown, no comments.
6:07:46
